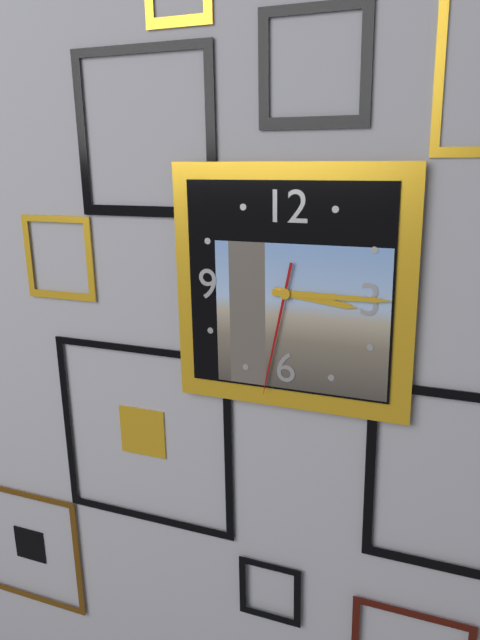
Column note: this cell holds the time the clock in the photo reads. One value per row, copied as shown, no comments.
3:15:32
